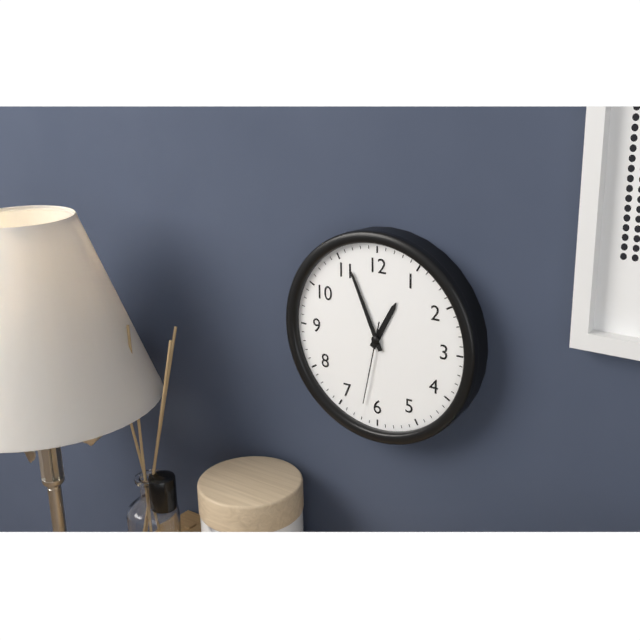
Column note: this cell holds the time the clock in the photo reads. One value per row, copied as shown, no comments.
12:56:32
